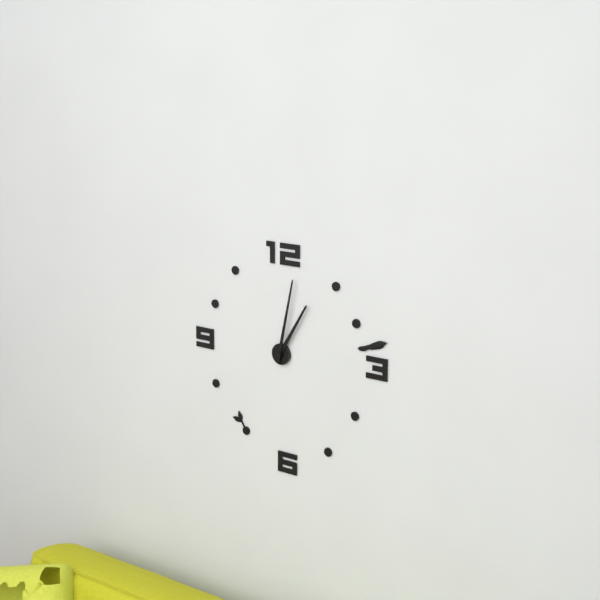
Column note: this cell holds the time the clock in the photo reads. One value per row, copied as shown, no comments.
1:02
